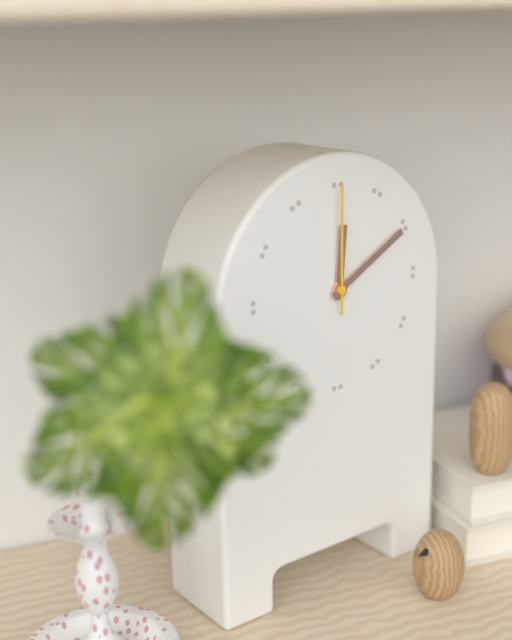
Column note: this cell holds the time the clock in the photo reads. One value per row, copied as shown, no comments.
12:10:00
